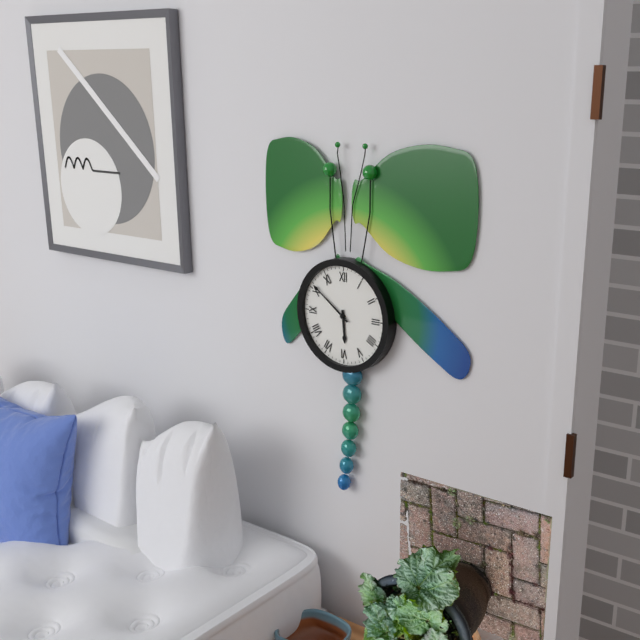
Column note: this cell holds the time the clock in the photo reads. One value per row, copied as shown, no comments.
5:51
